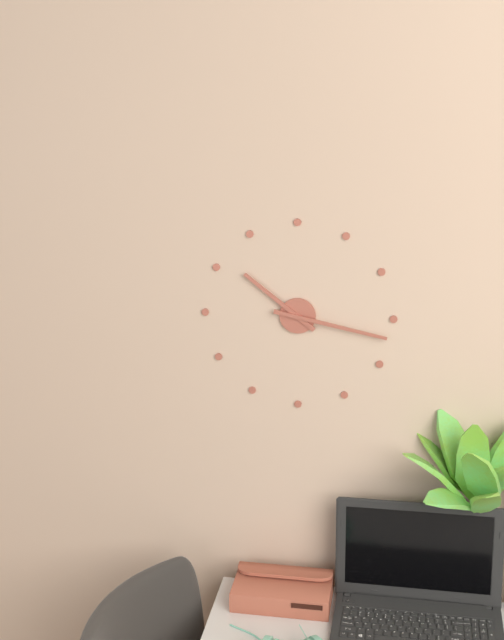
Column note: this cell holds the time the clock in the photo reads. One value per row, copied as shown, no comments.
10:17
